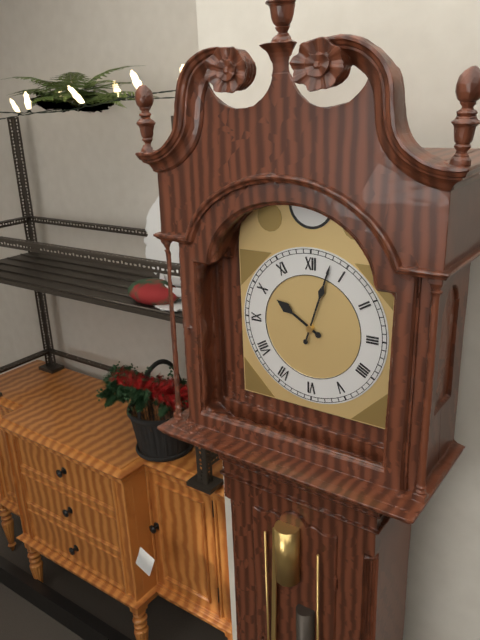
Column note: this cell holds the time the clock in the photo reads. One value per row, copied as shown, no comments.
10:03
